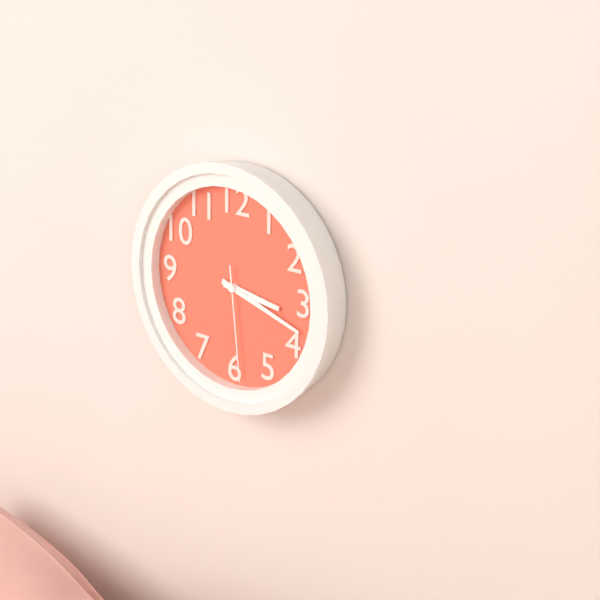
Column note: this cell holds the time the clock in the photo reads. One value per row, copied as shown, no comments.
3:18:29
